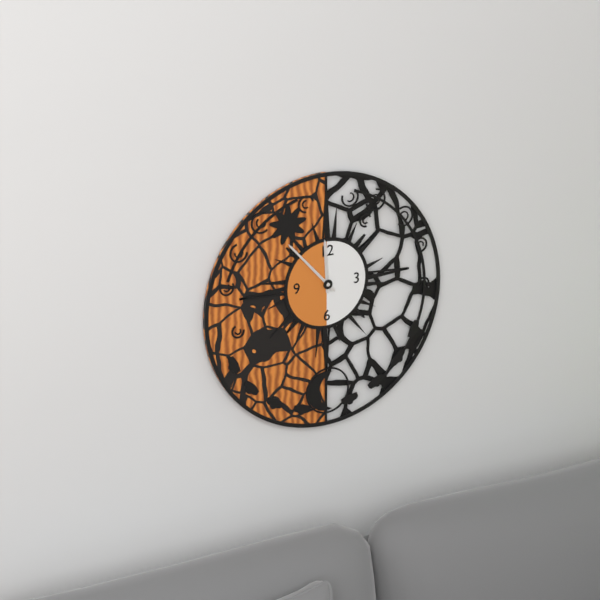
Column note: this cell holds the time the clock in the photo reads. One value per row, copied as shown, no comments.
11:53
